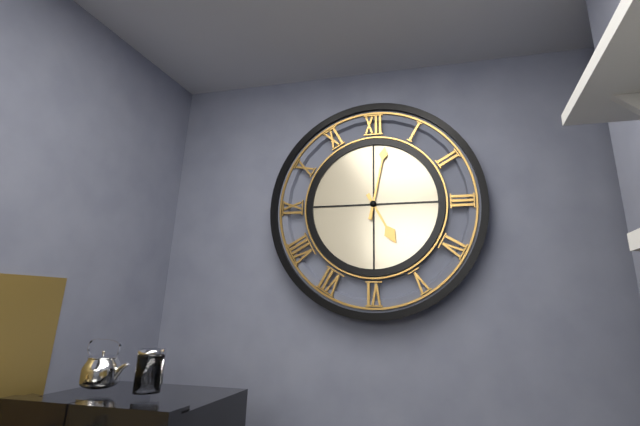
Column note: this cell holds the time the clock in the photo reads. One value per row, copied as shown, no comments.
5:02
